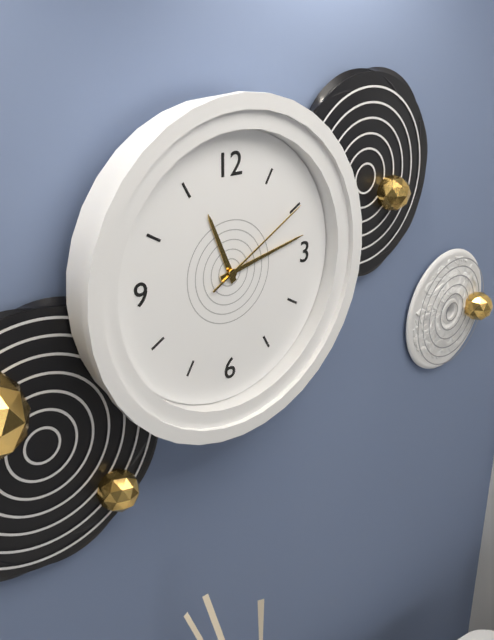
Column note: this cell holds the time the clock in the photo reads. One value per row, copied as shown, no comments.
11:13:10
